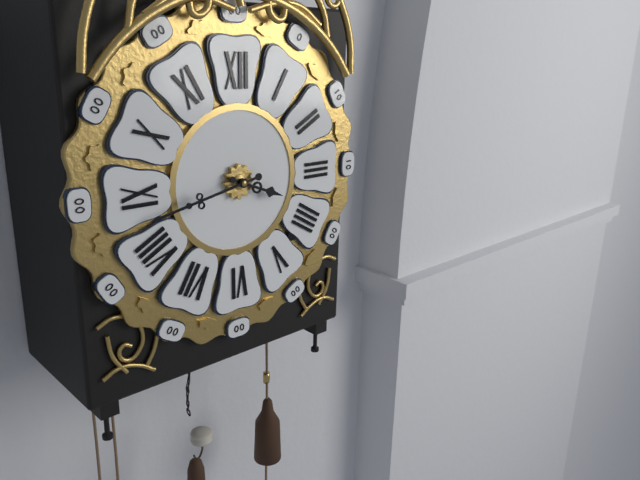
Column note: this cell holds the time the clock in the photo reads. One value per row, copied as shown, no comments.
3:43
